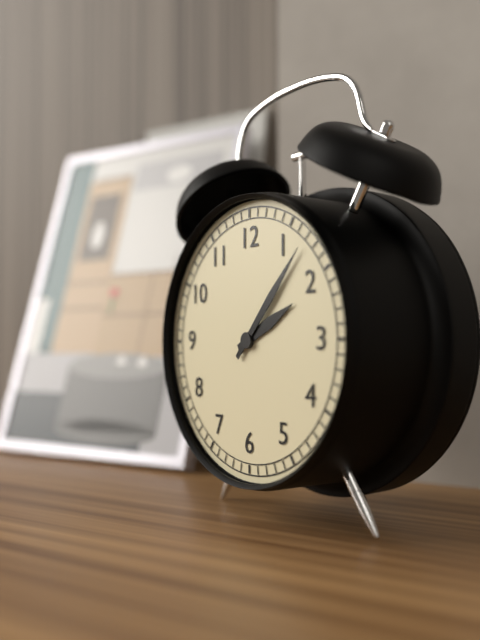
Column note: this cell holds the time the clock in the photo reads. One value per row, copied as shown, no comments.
2:07
